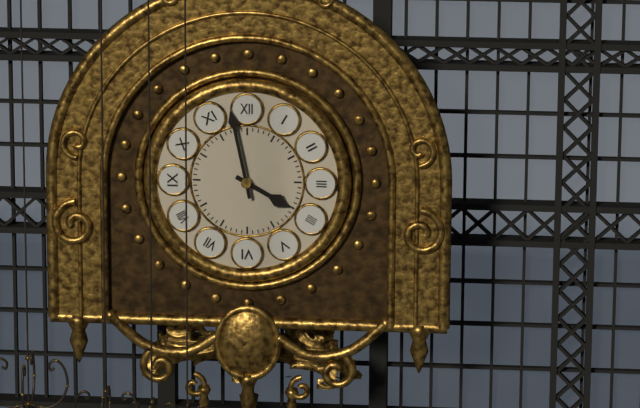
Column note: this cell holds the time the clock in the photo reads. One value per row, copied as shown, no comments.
3:58
